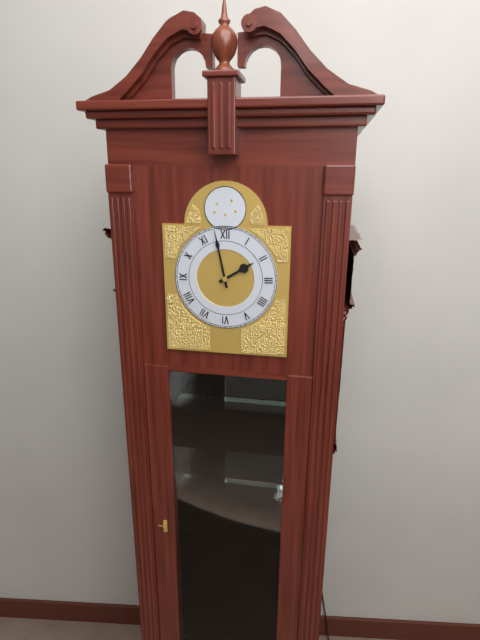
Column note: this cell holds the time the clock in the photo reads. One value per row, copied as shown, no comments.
1:58
